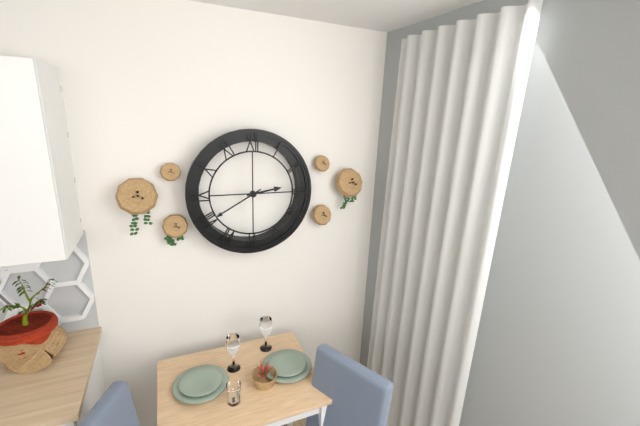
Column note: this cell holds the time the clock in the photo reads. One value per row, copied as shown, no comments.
2:40
